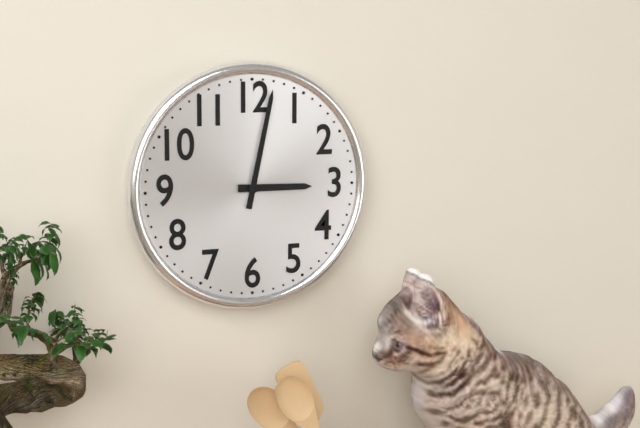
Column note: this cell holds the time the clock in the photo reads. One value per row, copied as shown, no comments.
3:02
